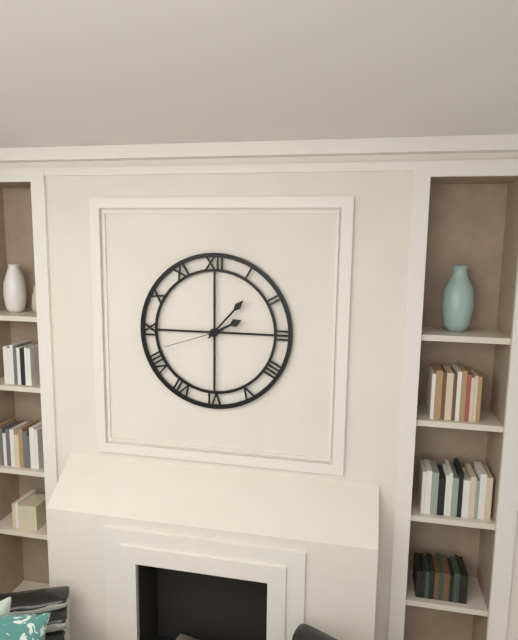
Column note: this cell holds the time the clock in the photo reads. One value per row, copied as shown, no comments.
2:07:42
